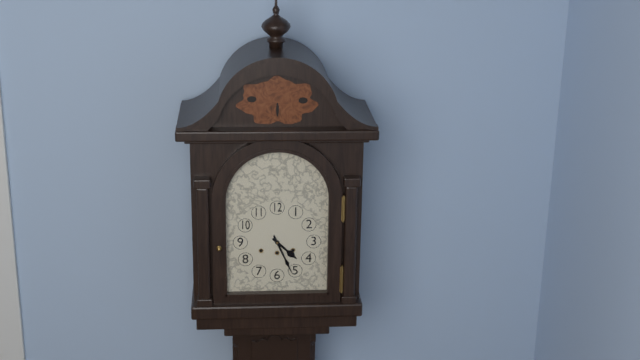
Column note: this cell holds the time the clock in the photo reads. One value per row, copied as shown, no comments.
4:26
